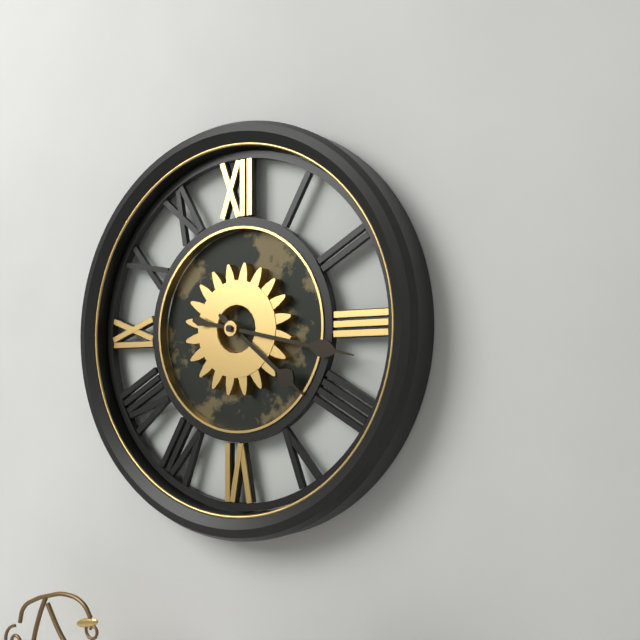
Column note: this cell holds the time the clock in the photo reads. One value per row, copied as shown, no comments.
4:17
